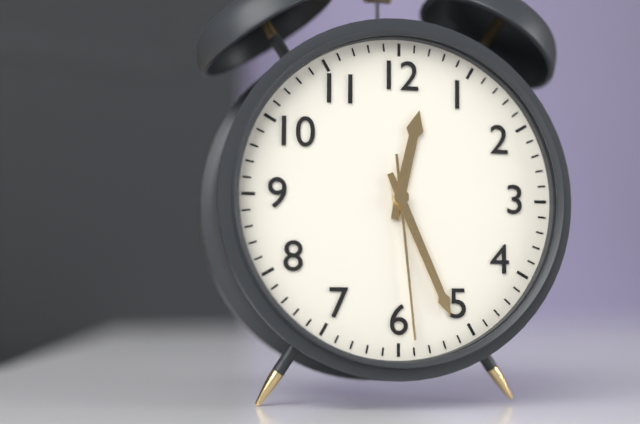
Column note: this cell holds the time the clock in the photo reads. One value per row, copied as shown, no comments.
12:26:29
